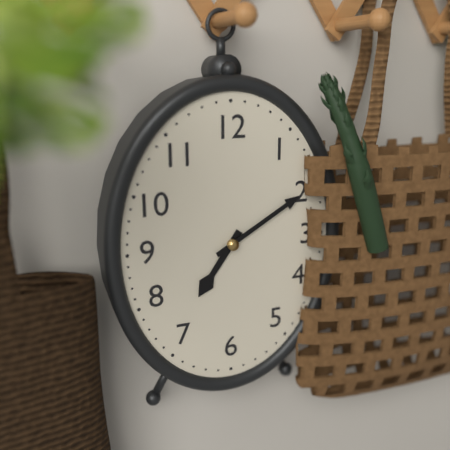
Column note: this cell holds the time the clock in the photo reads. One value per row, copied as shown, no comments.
7:10
